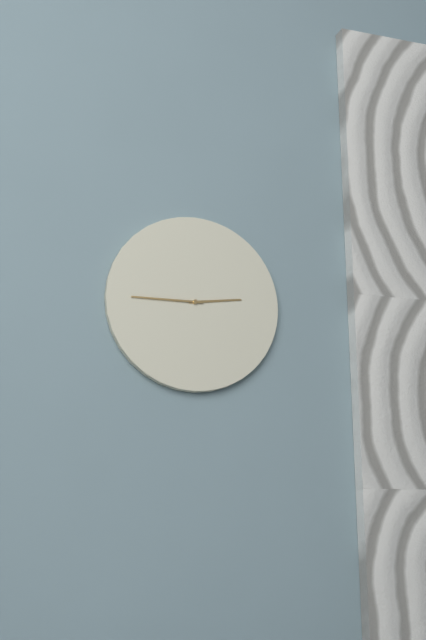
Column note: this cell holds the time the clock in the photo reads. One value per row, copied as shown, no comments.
2:45
